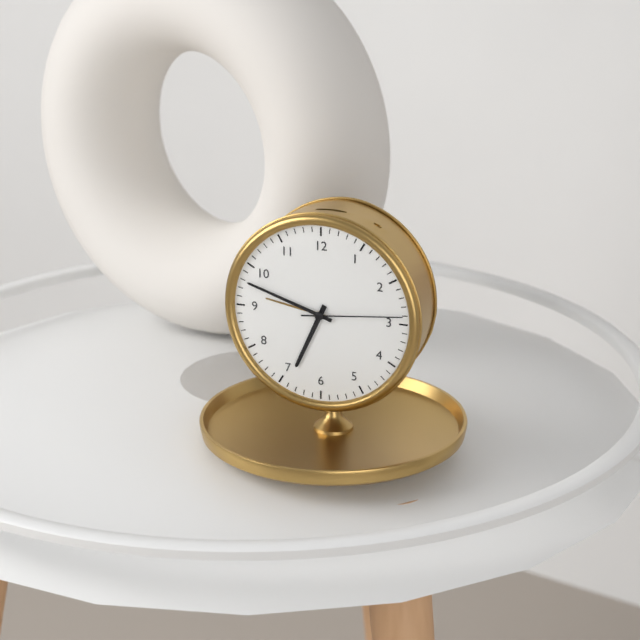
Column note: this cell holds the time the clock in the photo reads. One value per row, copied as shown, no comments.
6:48:14
